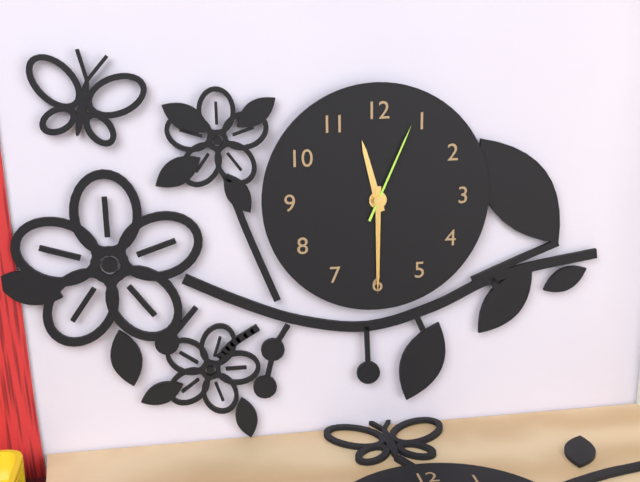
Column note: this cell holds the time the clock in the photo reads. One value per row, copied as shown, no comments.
11:30:04
